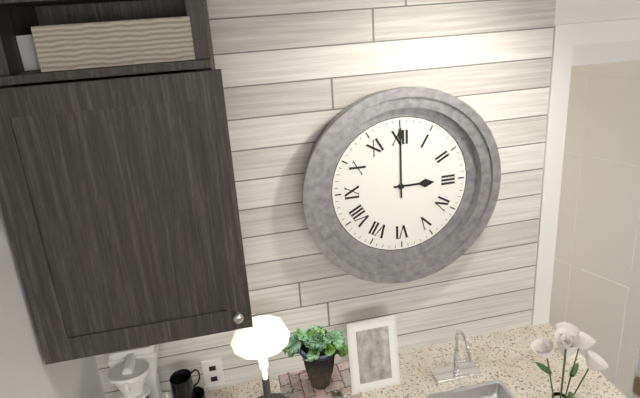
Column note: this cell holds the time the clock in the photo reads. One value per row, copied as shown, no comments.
3:00
